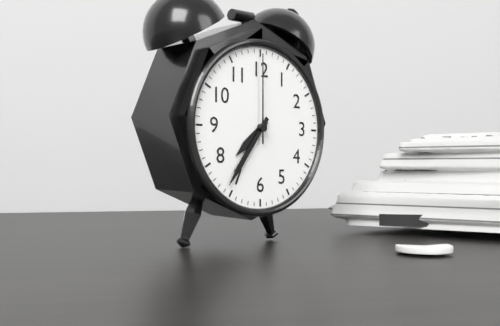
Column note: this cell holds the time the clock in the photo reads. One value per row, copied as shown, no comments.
7:36:00
